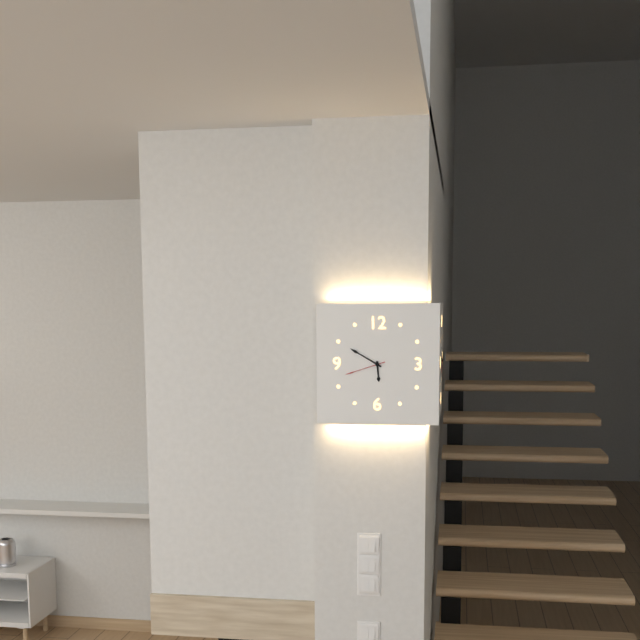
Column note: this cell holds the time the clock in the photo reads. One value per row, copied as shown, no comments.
5:50
